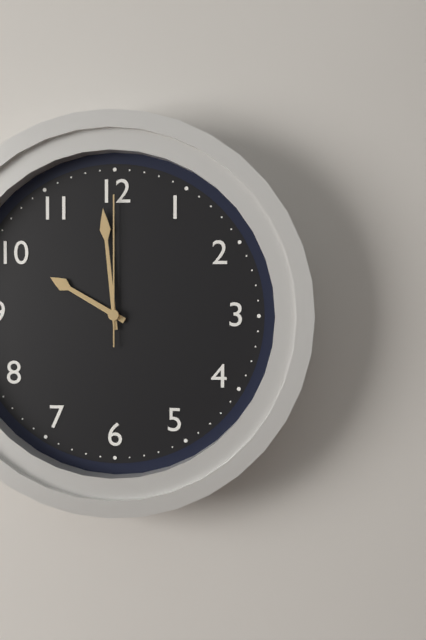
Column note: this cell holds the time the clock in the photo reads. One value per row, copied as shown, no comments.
9:59:00
